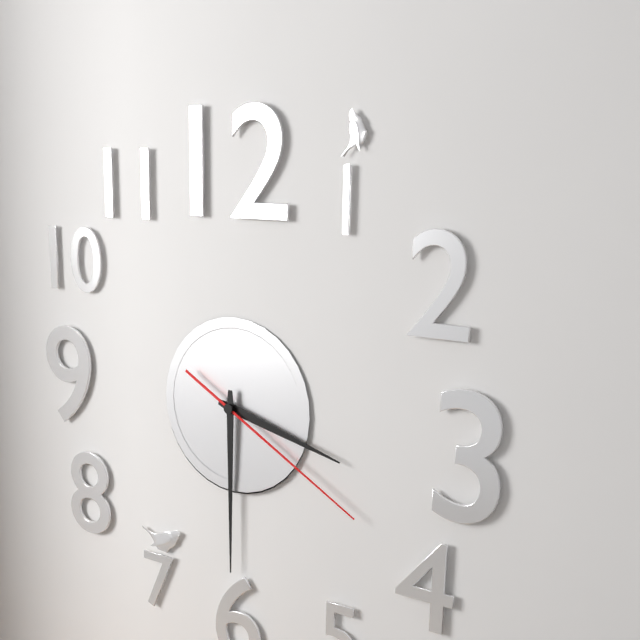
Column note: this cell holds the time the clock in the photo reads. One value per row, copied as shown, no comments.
3:30:20
